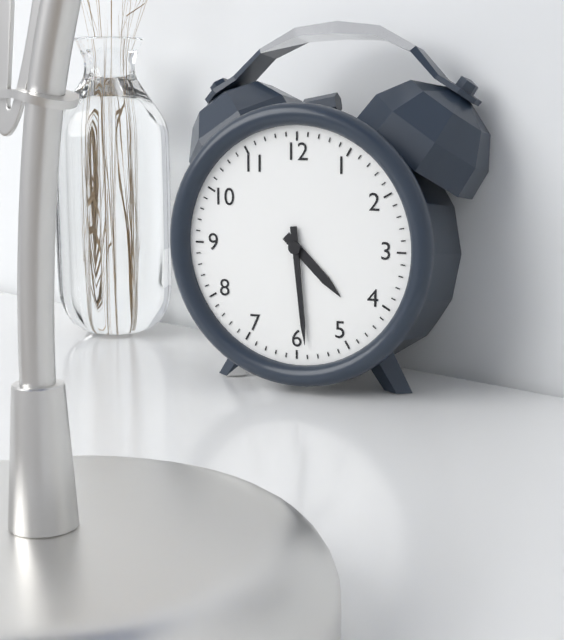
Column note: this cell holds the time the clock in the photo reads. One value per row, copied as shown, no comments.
4:29
